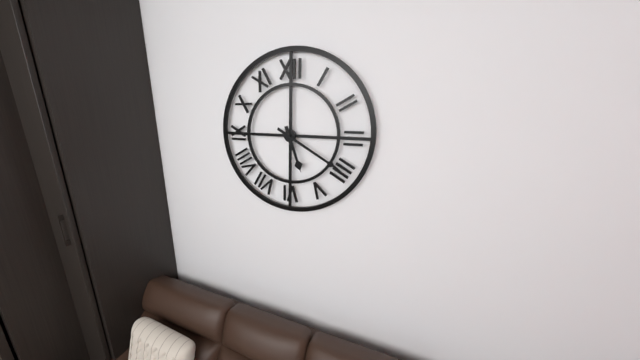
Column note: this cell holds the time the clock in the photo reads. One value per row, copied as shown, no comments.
5:20
